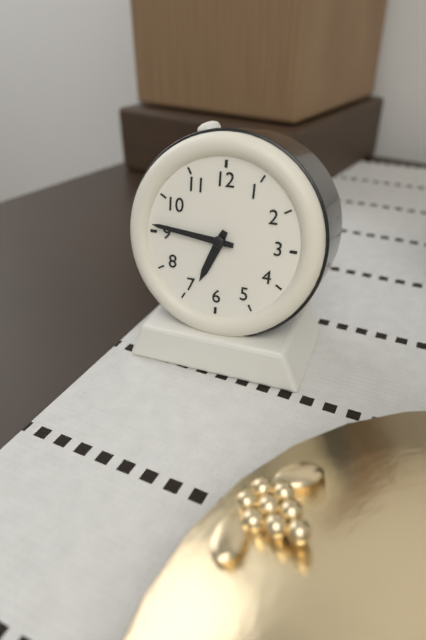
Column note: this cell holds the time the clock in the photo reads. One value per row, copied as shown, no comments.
6:46
